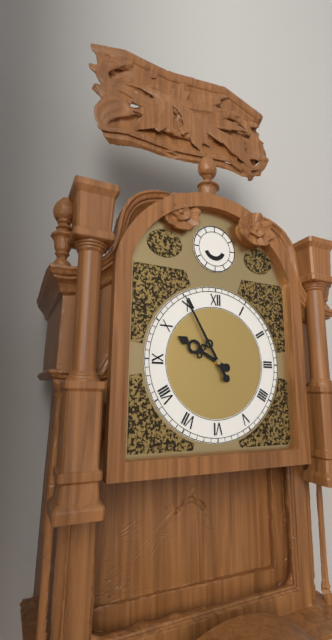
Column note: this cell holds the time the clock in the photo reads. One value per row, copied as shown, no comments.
9:55
